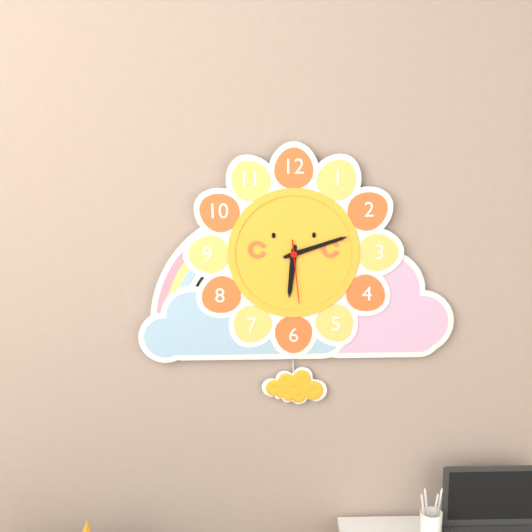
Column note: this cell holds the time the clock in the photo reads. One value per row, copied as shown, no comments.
6:12:29
